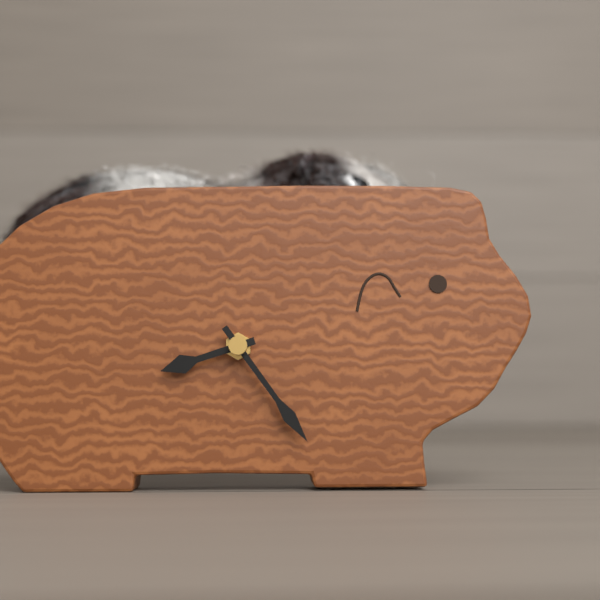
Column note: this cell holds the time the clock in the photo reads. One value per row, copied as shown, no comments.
8:24
